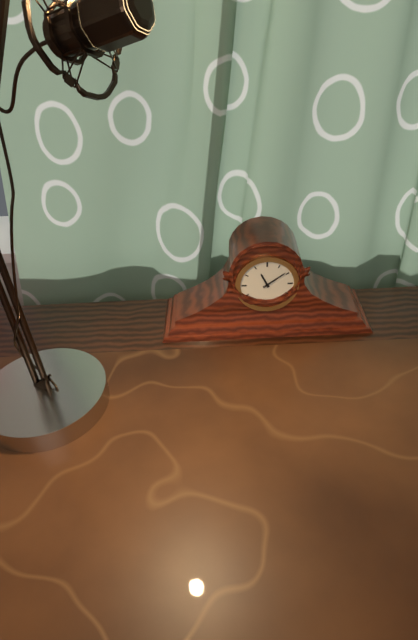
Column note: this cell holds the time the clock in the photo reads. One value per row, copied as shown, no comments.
11:09
